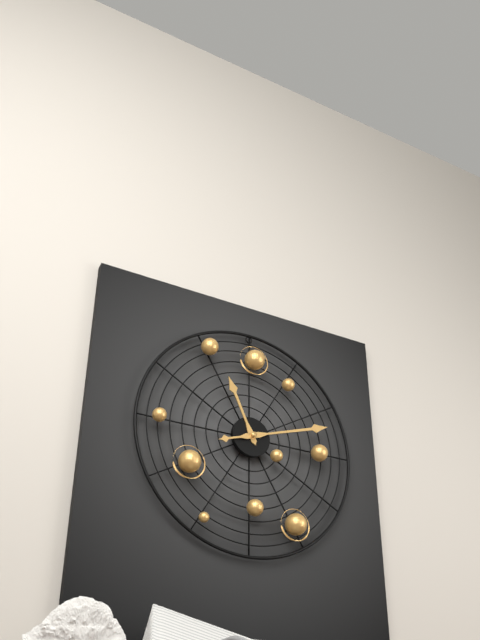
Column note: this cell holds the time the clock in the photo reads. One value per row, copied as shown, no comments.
11:12
